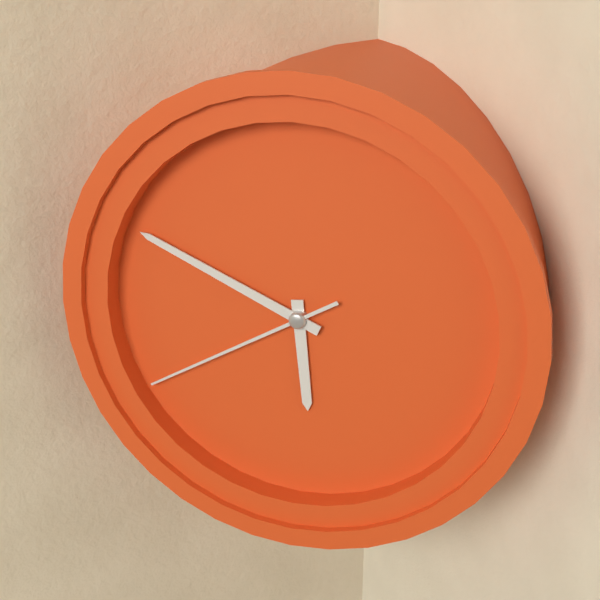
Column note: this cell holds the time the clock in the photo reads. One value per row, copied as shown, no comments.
5:49:40
